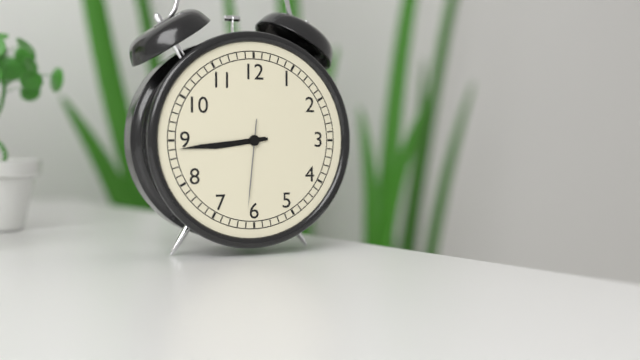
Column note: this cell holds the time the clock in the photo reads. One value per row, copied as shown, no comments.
8:44:31
